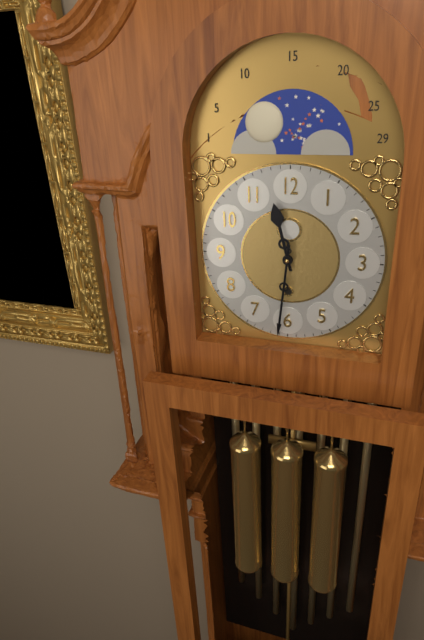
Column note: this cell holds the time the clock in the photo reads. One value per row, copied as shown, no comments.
11:31
